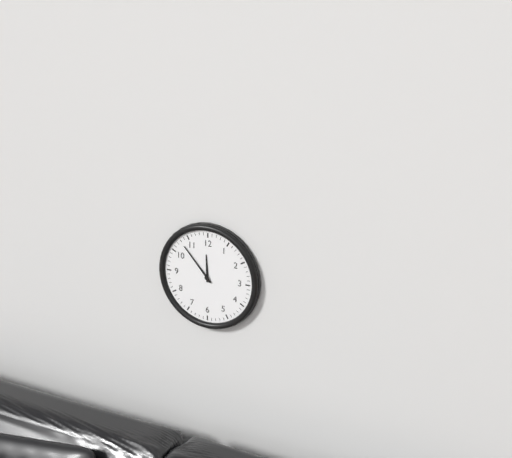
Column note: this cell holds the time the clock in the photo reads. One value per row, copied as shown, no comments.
11:53
